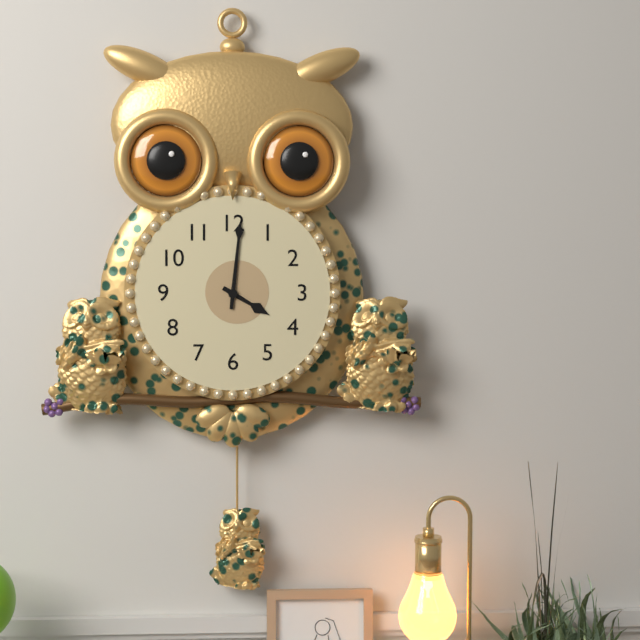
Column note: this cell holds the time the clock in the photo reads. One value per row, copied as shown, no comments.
4:01
